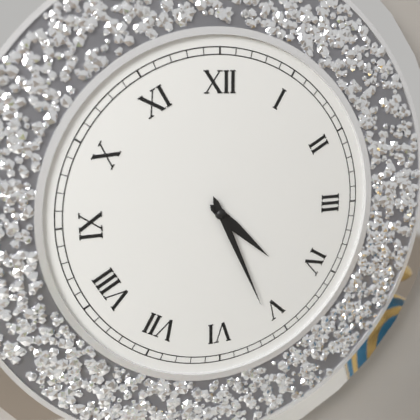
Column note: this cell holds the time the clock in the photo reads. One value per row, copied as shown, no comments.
4:26
